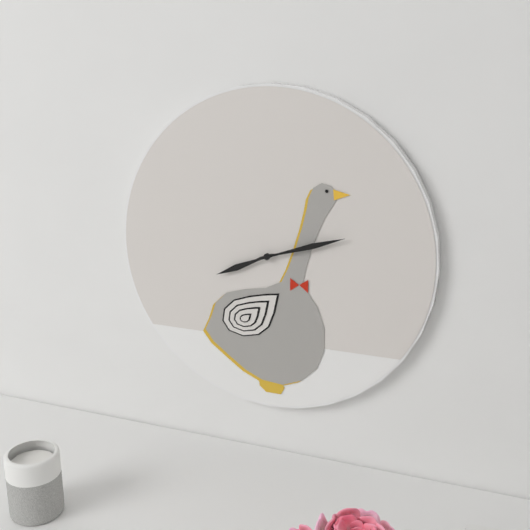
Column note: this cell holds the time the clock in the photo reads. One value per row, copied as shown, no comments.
8:12
